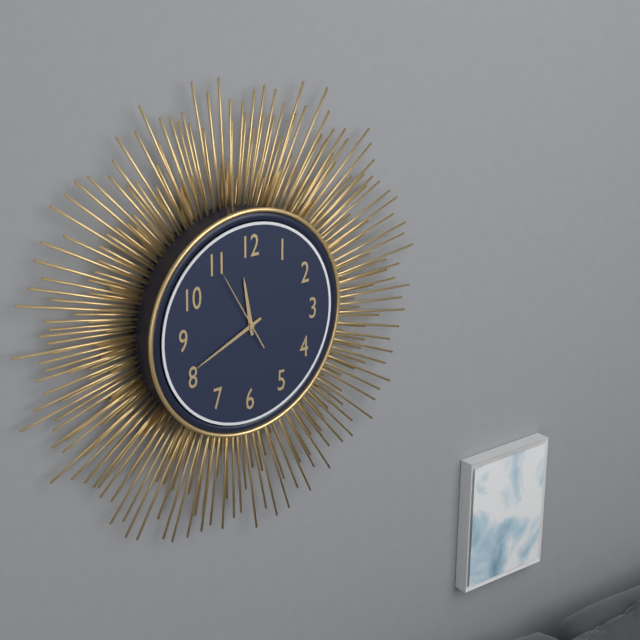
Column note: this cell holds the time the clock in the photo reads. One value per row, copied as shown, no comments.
11:41:55
